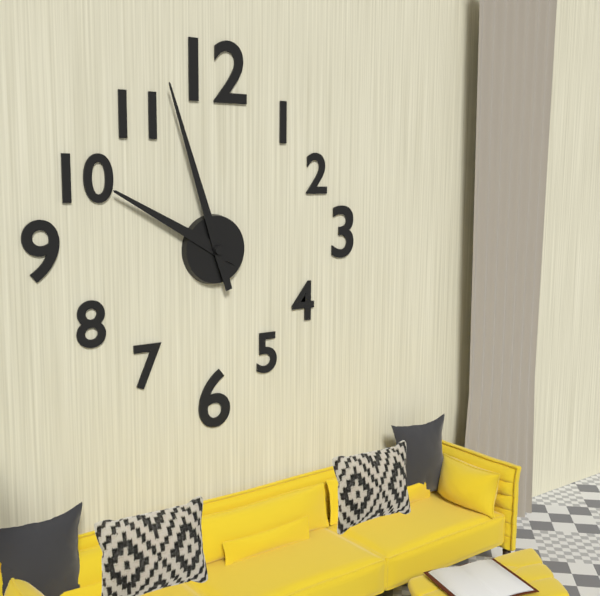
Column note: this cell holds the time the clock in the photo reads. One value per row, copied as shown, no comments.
9:57
